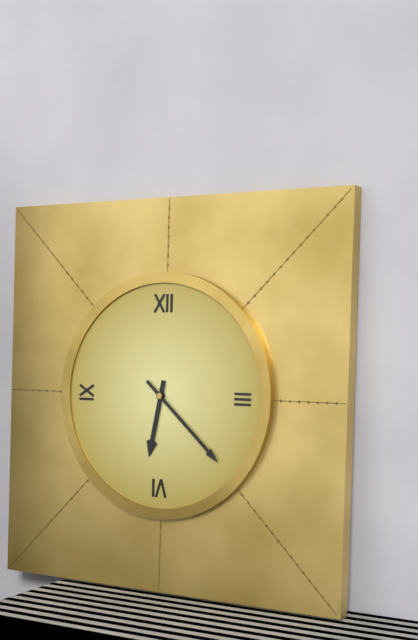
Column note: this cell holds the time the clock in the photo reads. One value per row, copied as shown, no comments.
6:22
